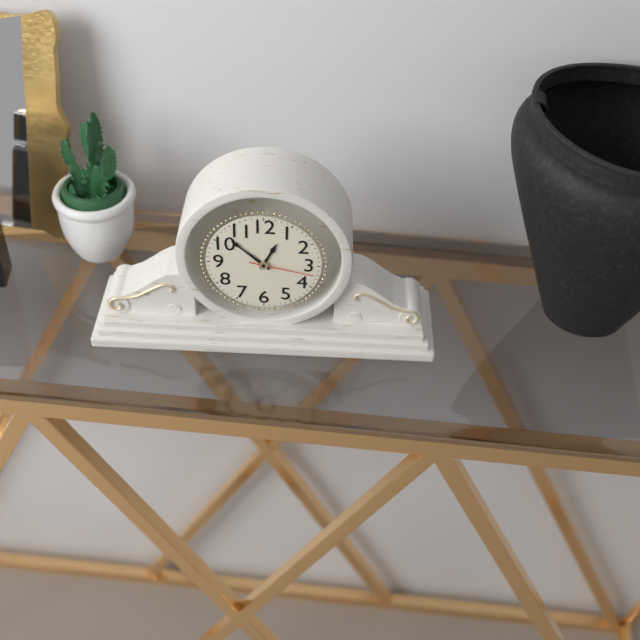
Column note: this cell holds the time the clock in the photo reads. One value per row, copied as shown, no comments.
12:52:17
